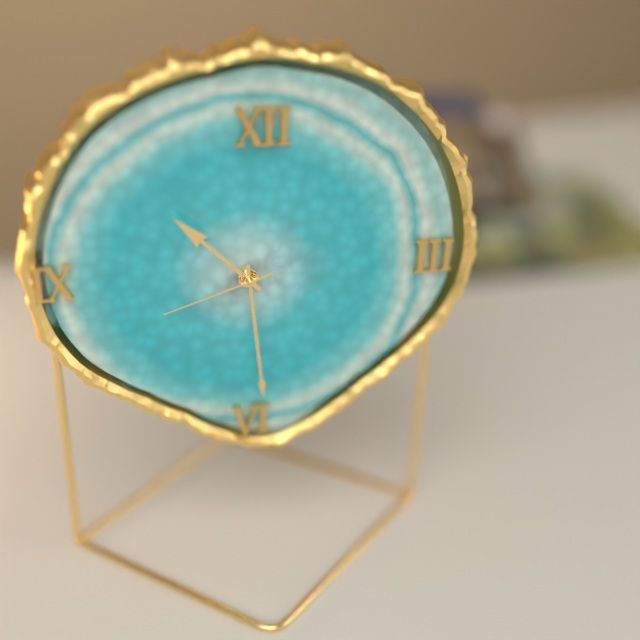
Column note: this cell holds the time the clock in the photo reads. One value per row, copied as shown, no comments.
10:29:42
